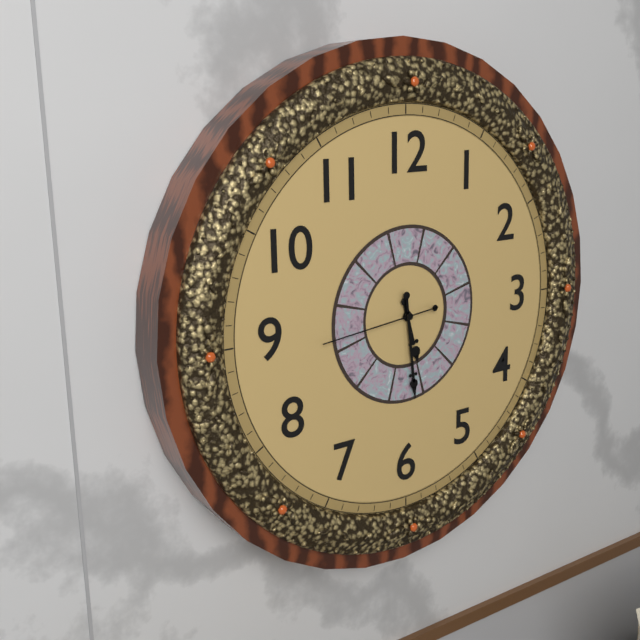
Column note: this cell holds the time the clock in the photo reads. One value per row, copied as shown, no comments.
5:29:44
